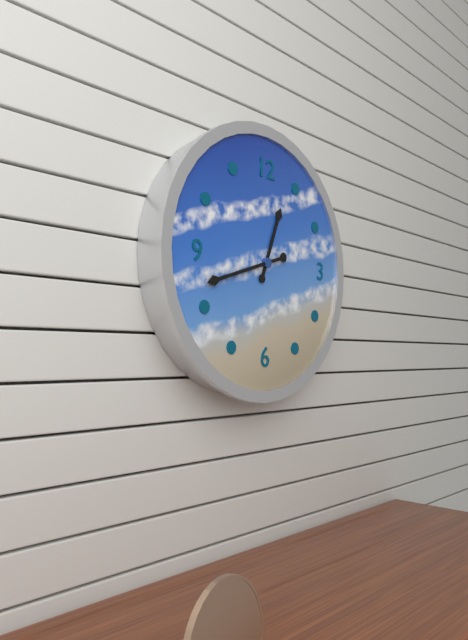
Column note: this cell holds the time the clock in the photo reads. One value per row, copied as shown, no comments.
12:42
